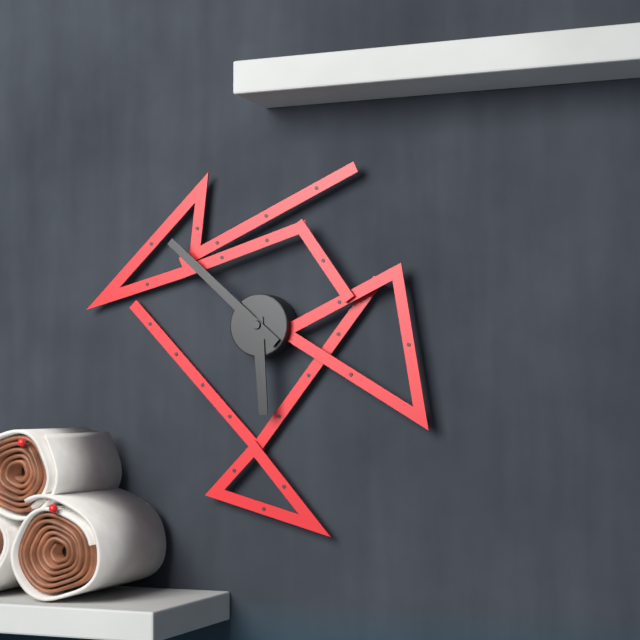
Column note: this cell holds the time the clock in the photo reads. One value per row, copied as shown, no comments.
5:52
